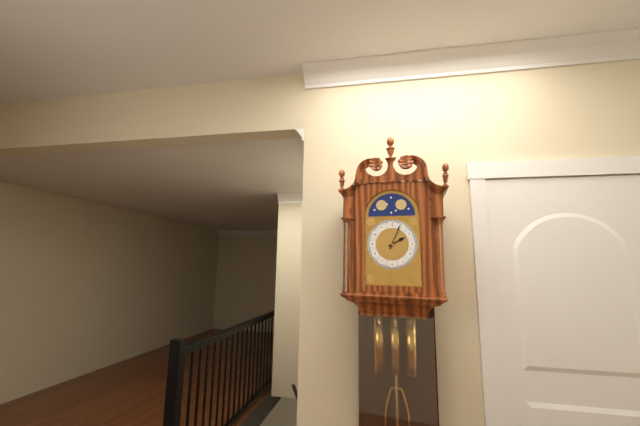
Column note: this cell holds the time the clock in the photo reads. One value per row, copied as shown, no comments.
2:04
